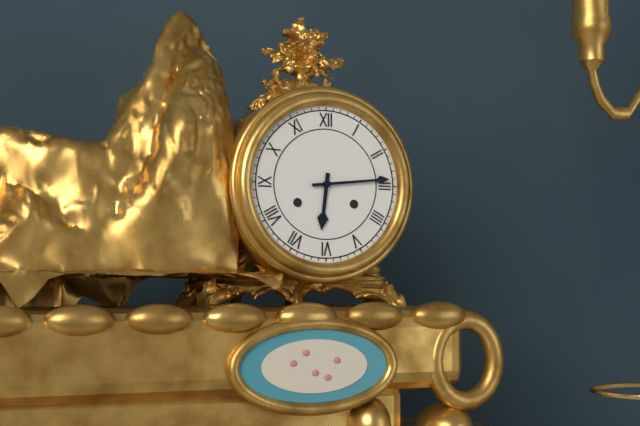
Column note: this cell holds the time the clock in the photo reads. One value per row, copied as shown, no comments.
6:14
